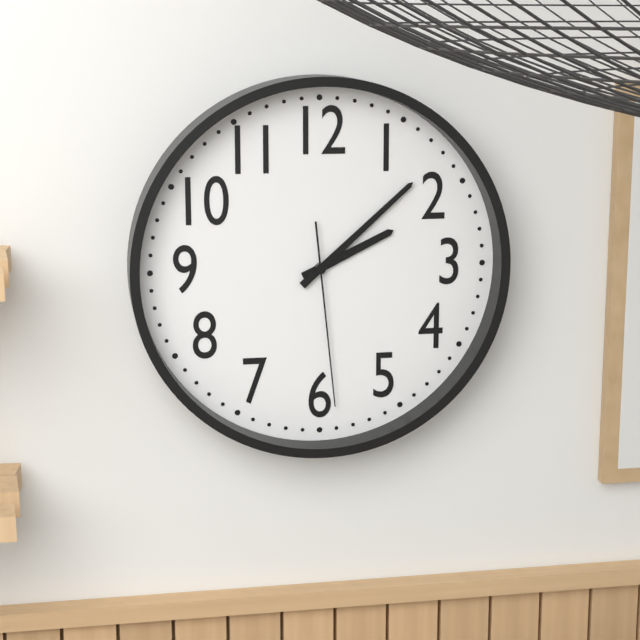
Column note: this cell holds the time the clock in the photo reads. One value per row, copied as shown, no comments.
2:08:29
